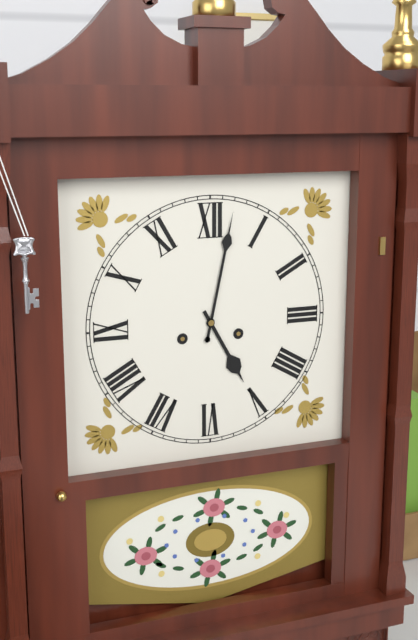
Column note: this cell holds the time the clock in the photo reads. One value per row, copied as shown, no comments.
5:02
